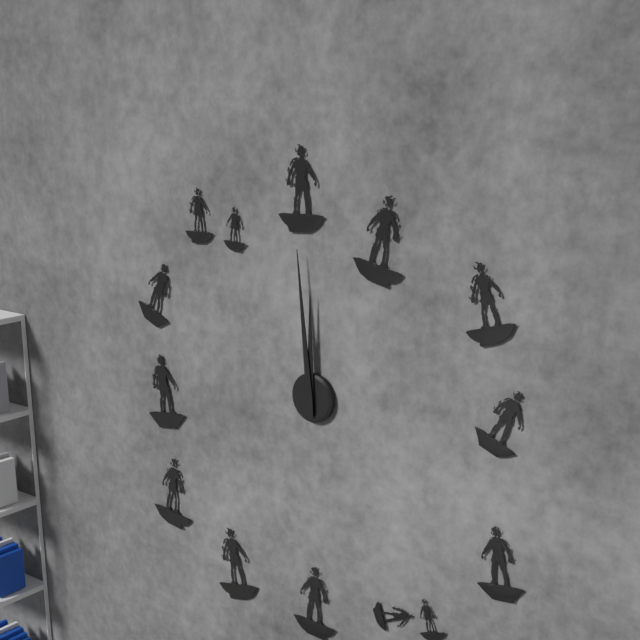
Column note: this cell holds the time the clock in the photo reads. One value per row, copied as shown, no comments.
11:59
